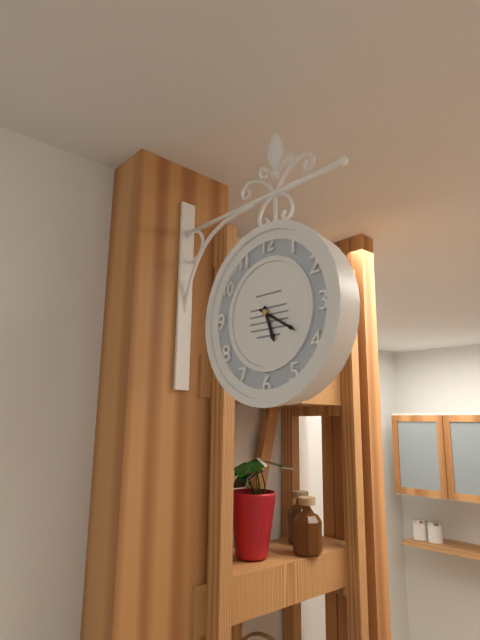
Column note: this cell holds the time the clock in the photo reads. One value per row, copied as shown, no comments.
5:20
